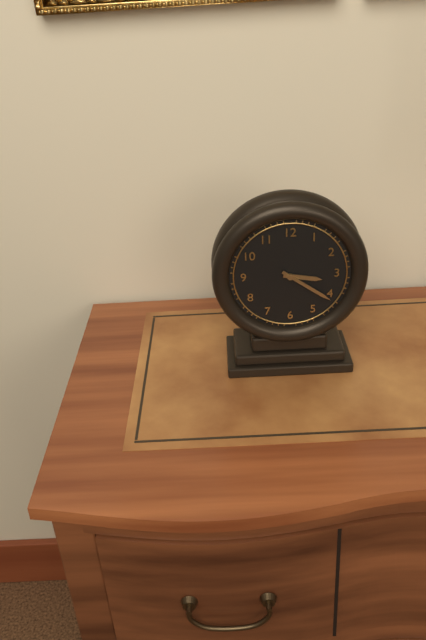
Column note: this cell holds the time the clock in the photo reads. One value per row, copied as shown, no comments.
3:21
